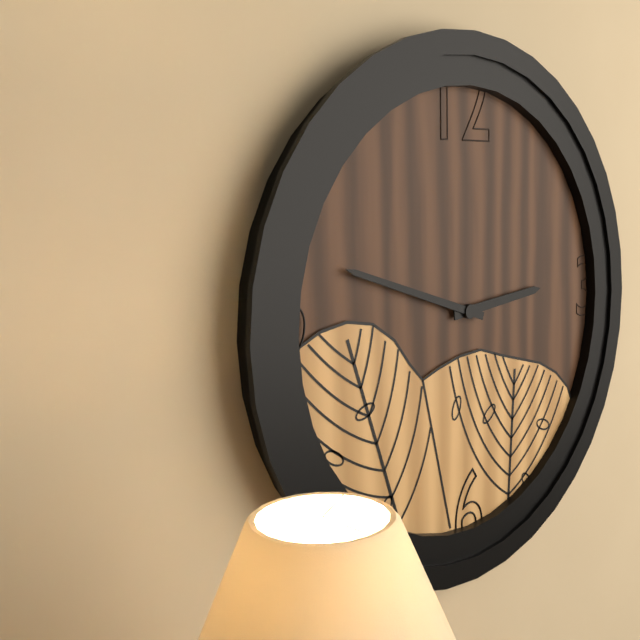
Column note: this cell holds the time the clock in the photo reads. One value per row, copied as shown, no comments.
2:48
